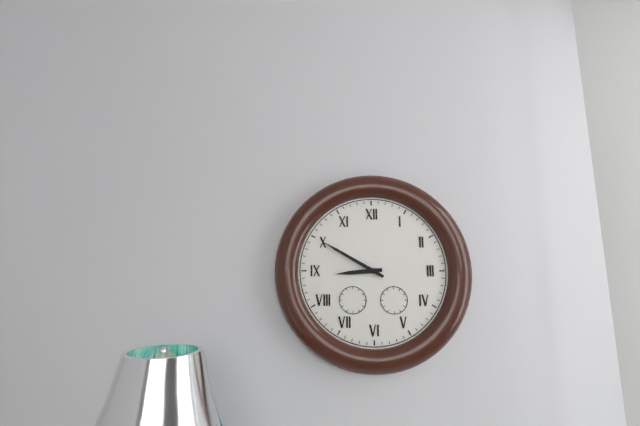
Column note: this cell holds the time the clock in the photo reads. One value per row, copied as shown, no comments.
8:50
